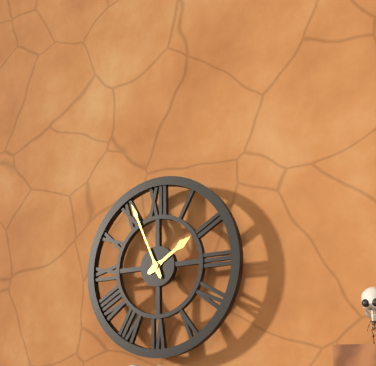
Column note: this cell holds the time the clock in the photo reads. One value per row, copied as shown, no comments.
1:56
